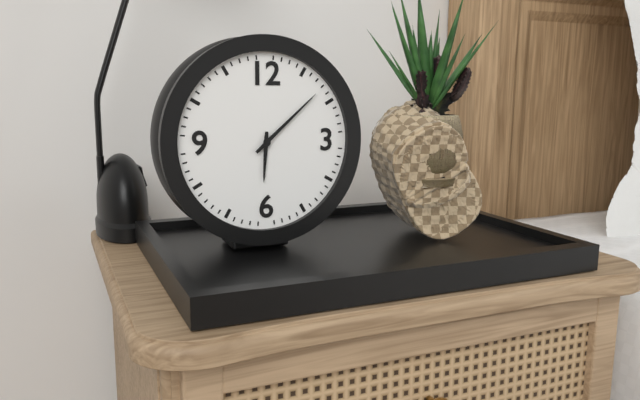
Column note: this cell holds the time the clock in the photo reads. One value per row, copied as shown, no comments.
6:08
